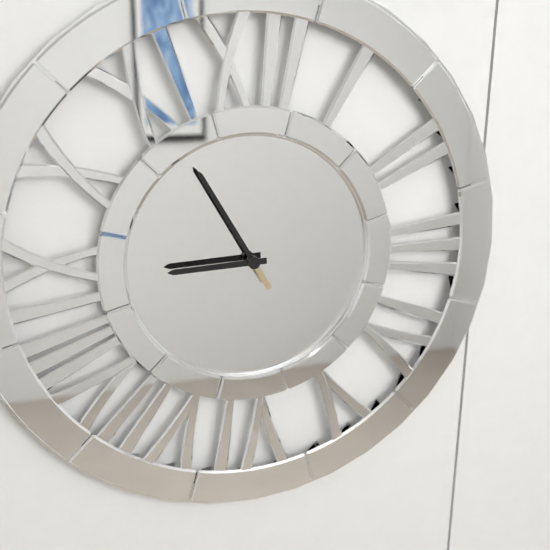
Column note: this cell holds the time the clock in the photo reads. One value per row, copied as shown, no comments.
8:55
